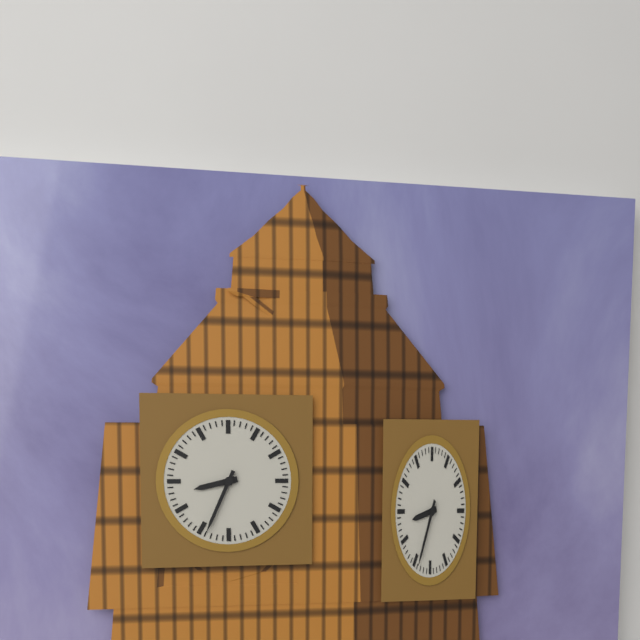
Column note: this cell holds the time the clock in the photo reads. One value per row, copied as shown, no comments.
8:34
